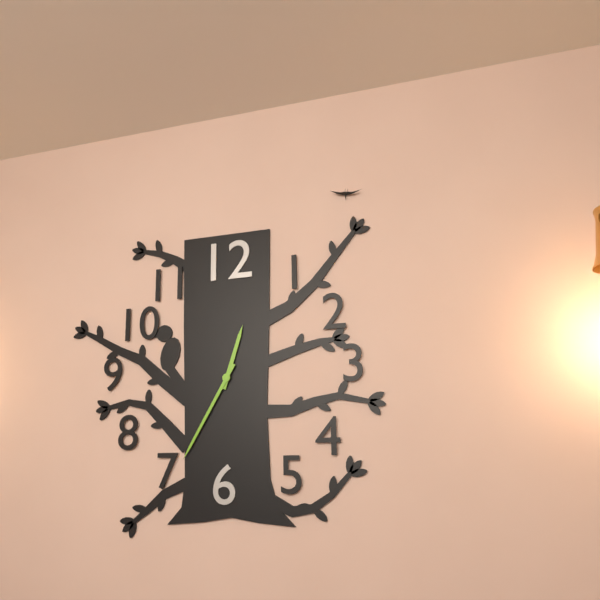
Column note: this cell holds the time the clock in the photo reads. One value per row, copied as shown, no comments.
12:35
